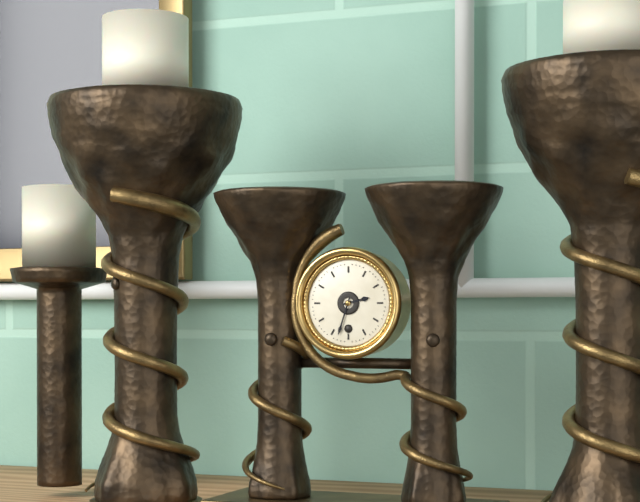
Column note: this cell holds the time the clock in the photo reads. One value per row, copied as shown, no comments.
2:33
